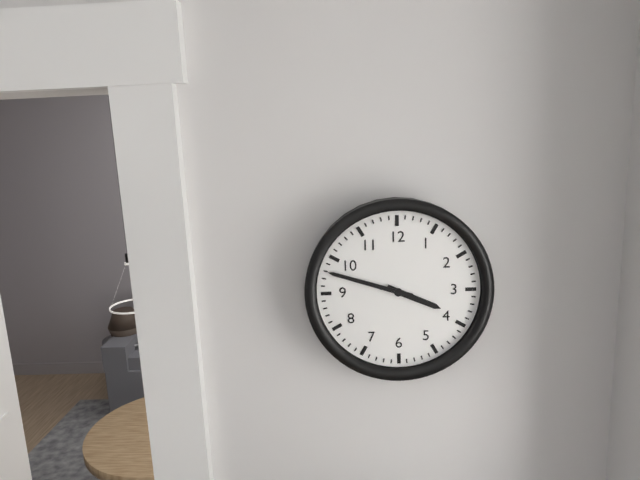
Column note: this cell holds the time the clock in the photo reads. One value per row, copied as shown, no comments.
3:48
